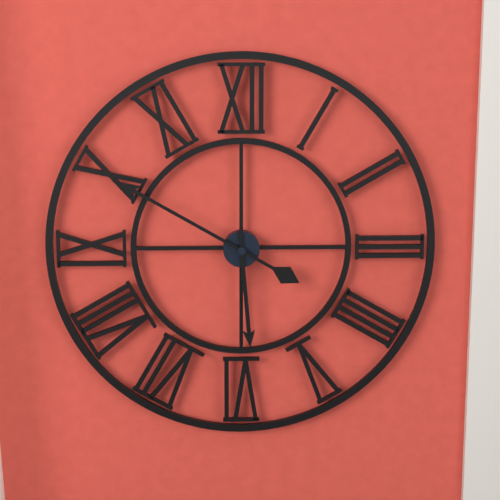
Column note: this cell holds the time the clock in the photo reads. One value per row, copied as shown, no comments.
5:50
